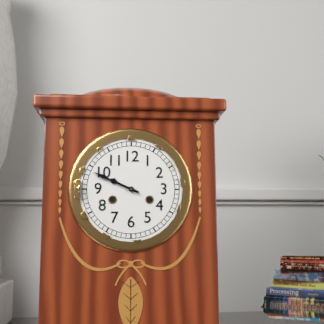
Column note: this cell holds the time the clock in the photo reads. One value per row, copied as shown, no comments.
9:49
